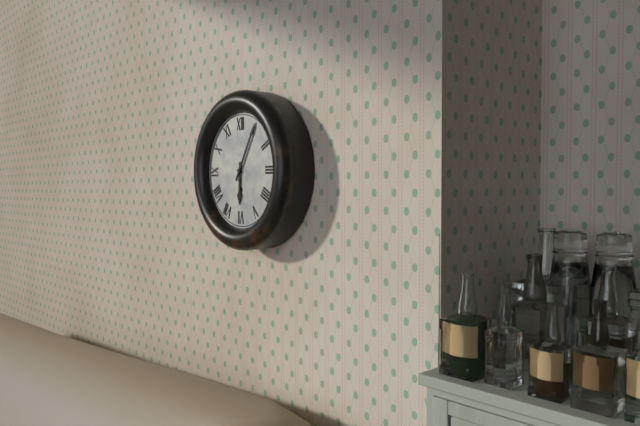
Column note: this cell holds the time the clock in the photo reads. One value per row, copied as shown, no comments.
6:05
